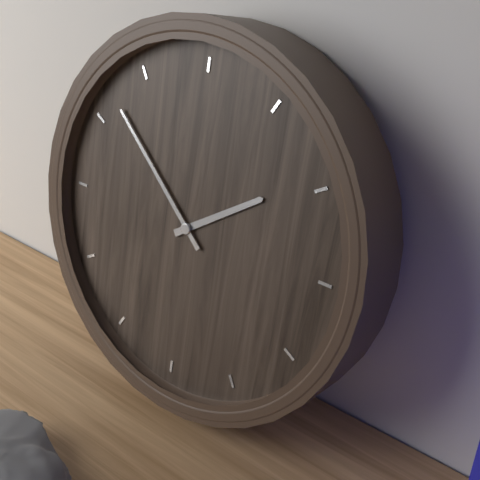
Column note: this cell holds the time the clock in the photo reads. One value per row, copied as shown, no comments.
1:52
